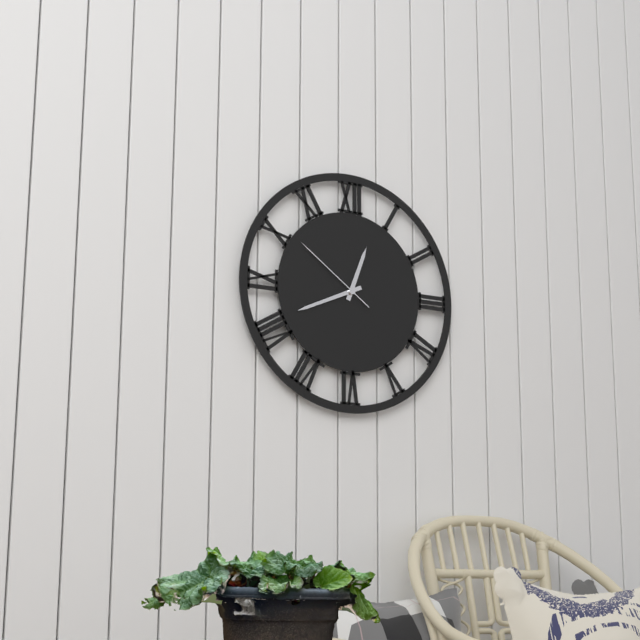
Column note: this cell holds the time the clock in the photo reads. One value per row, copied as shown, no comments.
12:41:51
